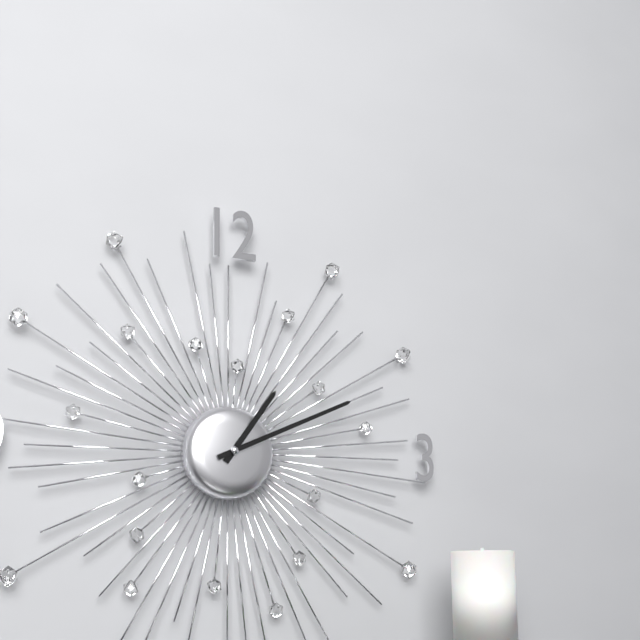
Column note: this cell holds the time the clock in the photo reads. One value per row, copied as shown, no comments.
1:11
